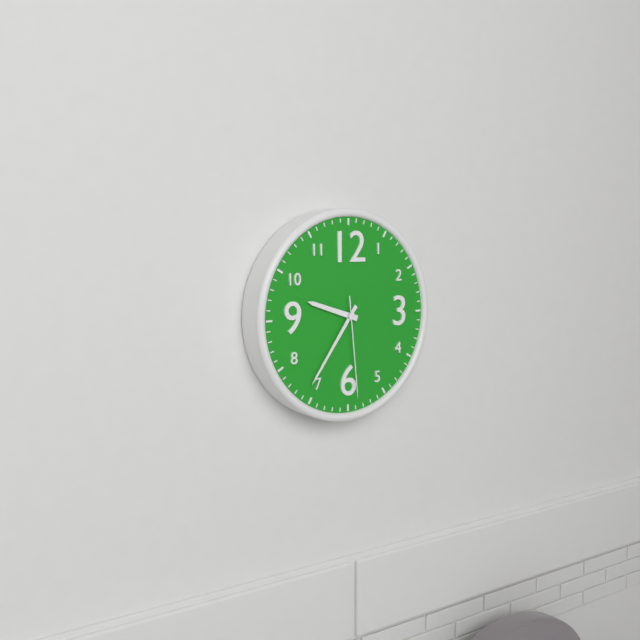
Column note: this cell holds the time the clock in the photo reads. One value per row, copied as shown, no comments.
9:36:29
